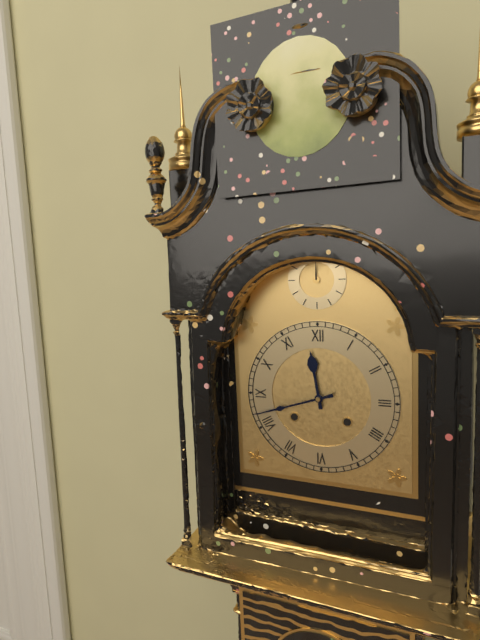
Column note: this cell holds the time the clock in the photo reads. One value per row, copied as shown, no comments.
11:42
